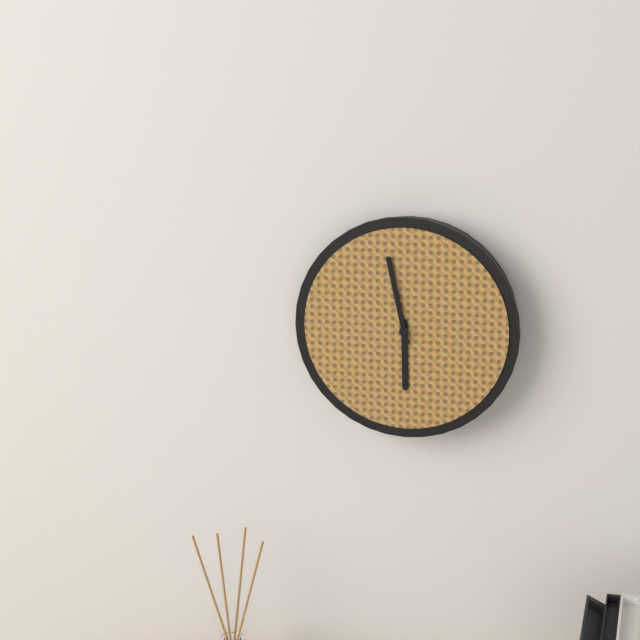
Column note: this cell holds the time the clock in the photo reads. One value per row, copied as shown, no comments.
5:58
